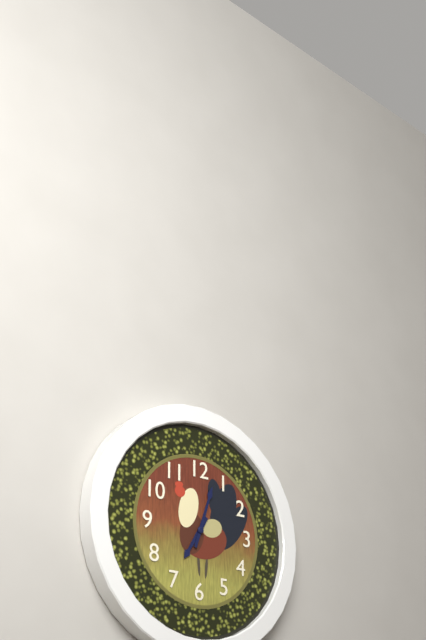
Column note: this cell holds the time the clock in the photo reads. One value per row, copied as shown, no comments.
7:03
